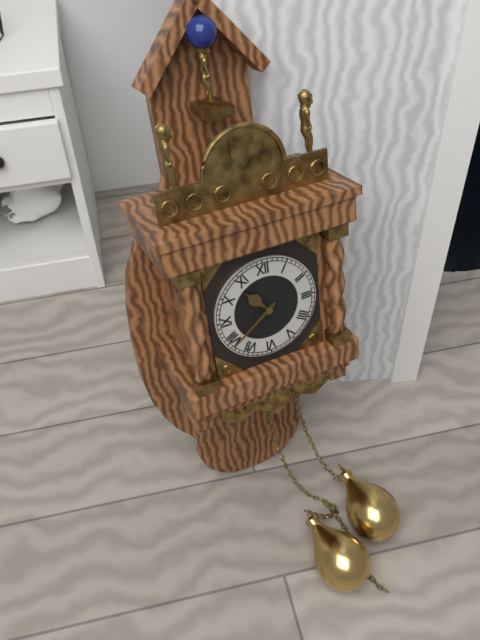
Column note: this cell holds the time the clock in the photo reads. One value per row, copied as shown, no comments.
10:39
